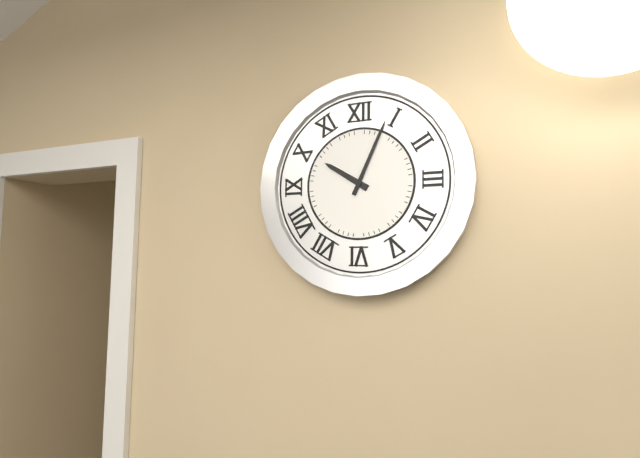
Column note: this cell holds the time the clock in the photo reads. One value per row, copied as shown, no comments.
10:04
